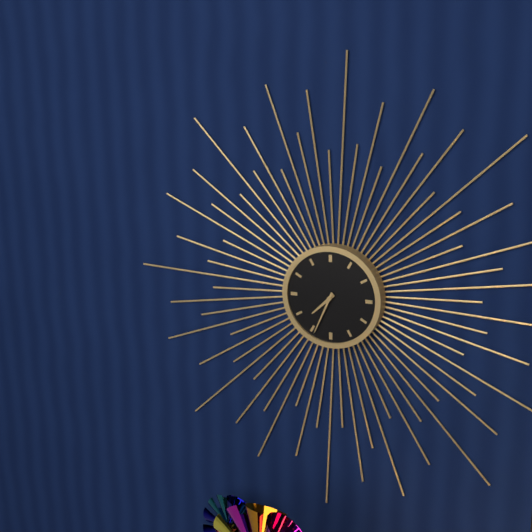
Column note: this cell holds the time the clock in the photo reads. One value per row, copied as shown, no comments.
7:34
